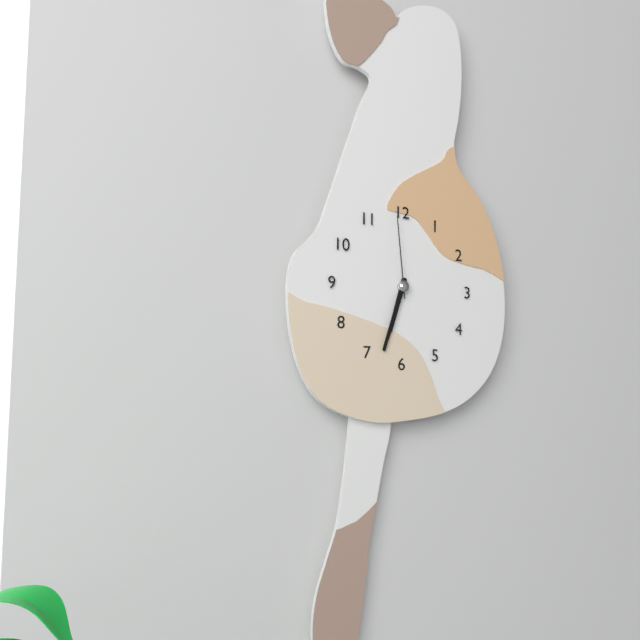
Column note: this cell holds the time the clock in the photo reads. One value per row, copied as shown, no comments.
6:33:59
